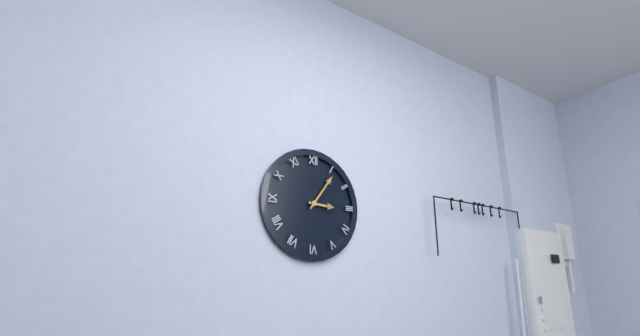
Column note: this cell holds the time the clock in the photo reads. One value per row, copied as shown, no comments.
3:06
